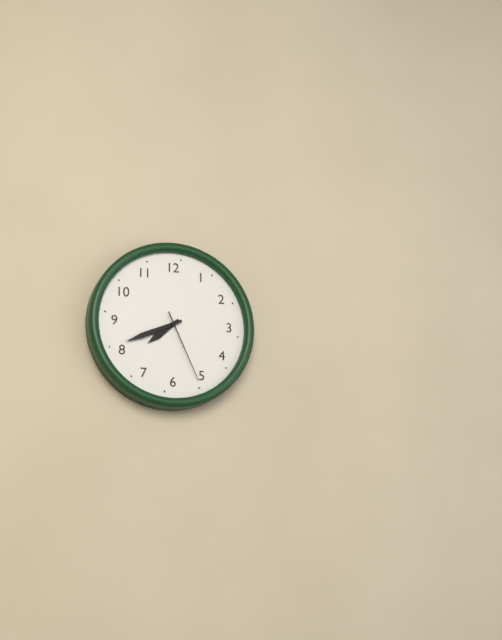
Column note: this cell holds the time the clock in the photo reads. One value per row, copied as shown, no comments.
7:41:26
